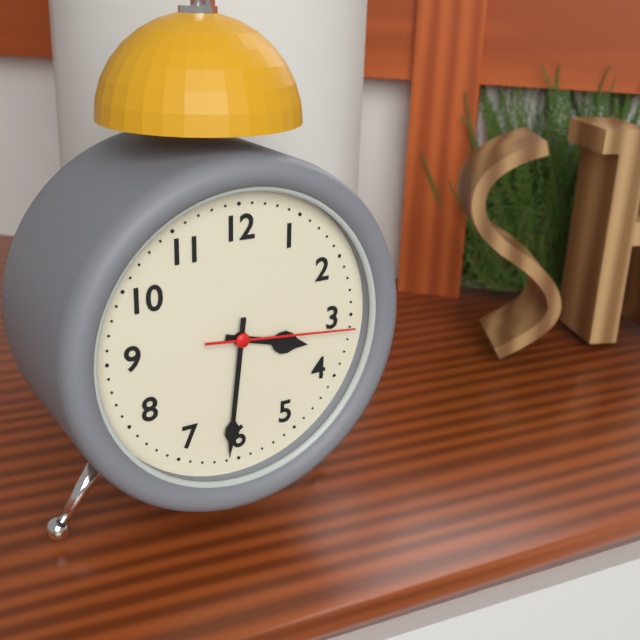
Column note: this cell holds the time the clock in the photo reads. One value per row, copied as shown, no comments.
3:31:16
